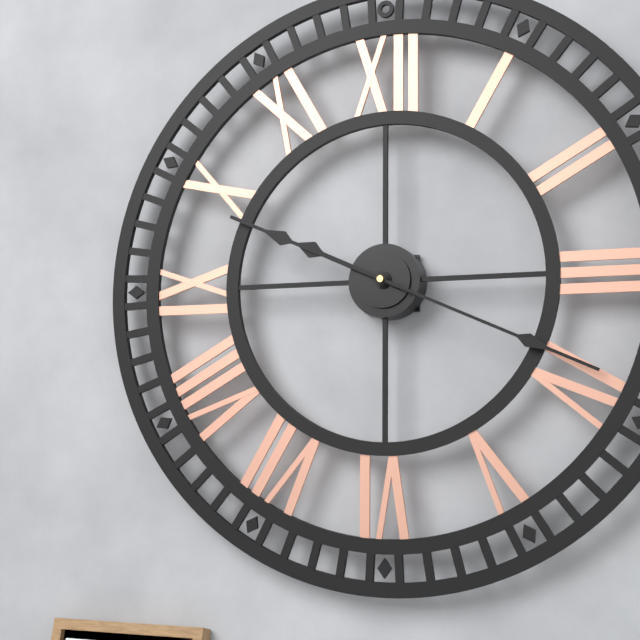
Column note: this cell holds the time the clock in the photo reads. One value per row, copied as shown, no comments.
9:49:19
